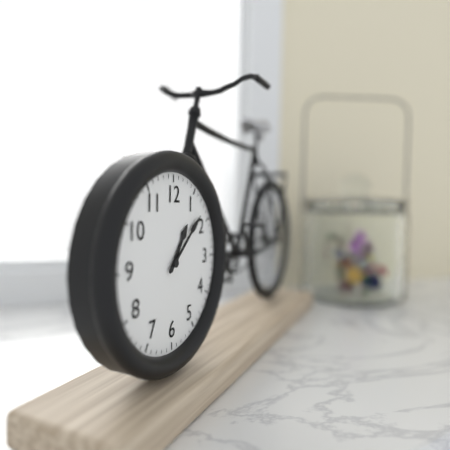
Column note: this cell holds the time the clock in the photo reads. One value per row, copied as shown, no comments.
1:08
